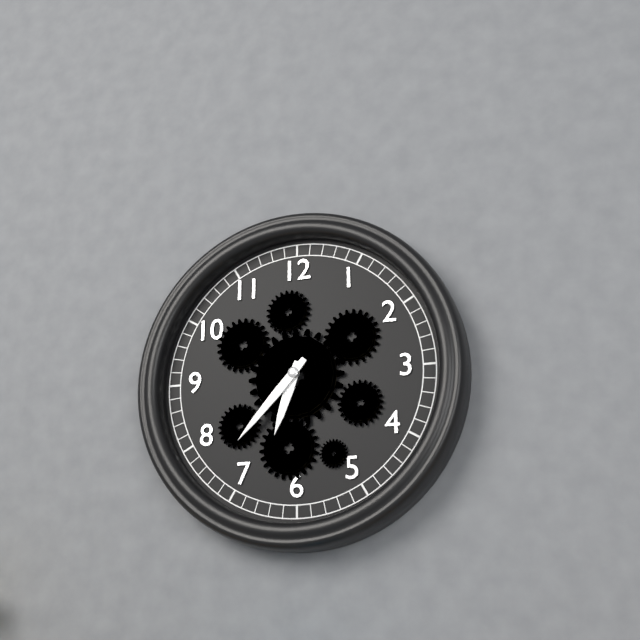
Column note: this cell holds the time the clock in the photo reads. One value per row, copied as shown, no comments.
6:37
